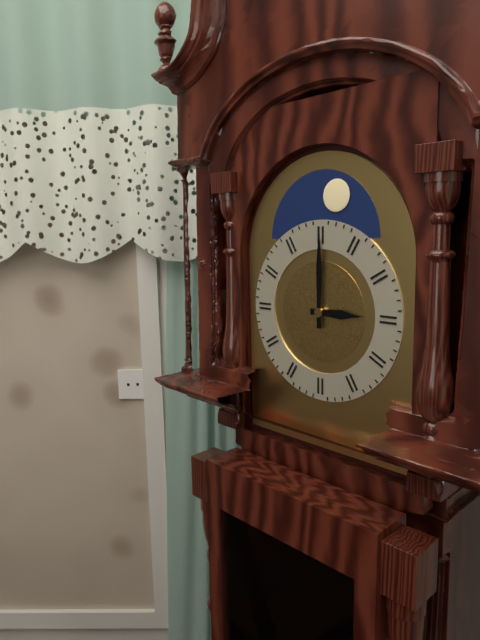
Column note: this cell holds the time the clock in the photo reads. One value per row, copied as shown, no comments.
3:00
